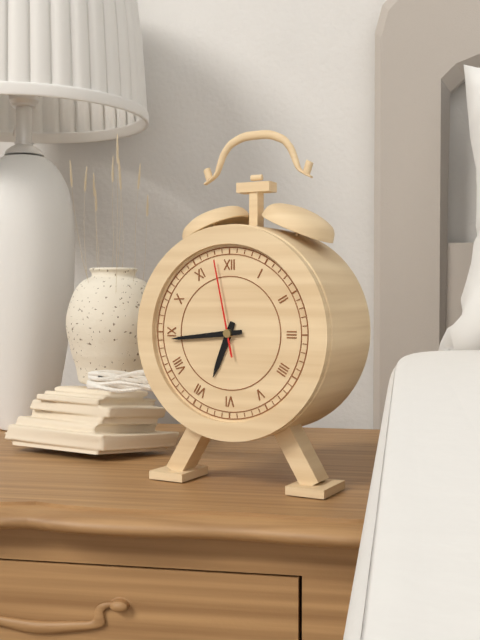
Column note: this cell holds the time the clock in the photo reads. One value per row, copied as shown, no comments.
6:44:58
